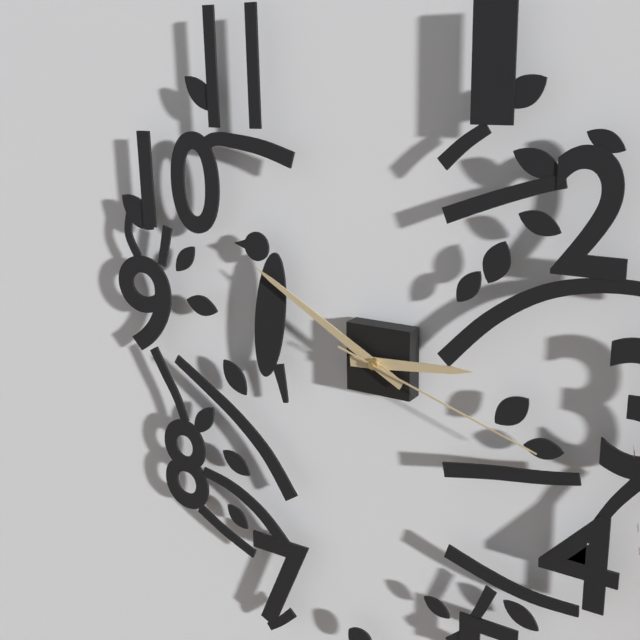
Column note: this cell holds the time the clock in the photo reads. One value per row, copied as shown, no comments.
2:50:18
